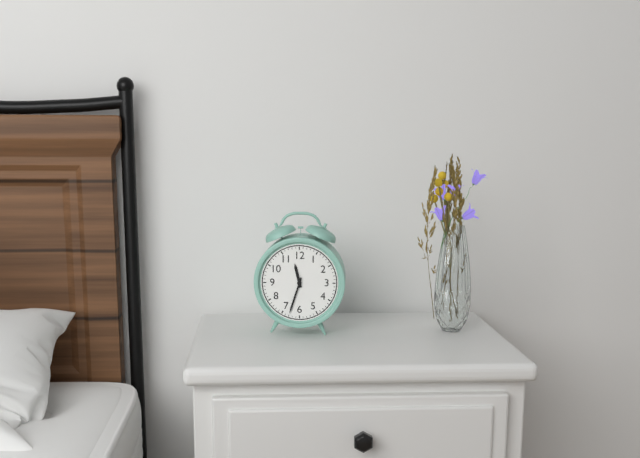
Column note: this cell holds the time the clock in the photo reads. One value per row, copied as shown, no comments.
11:33
